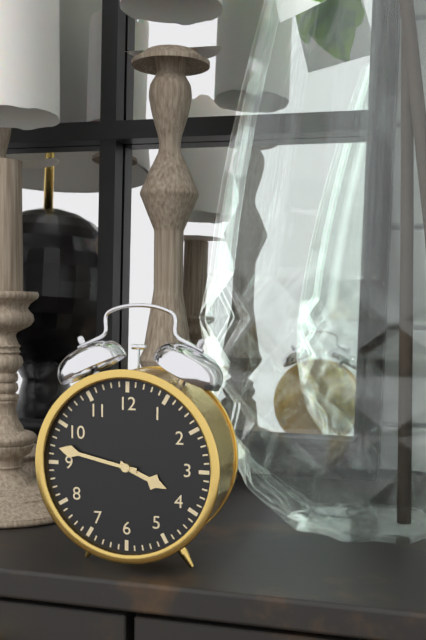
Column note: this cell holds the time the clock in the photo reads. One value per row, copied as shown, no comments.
3:47
